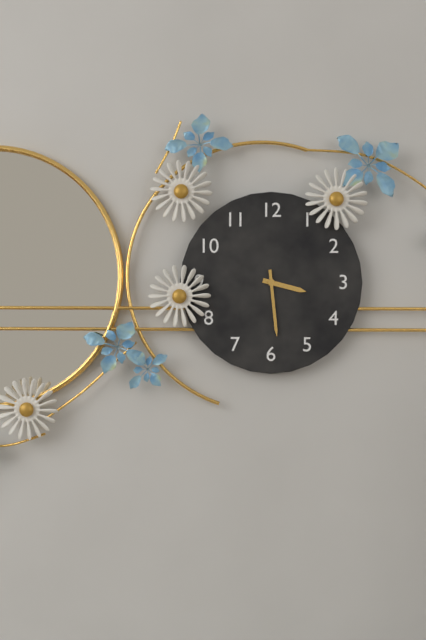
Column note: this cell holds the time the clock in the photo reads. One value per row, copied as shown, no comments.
3:29
